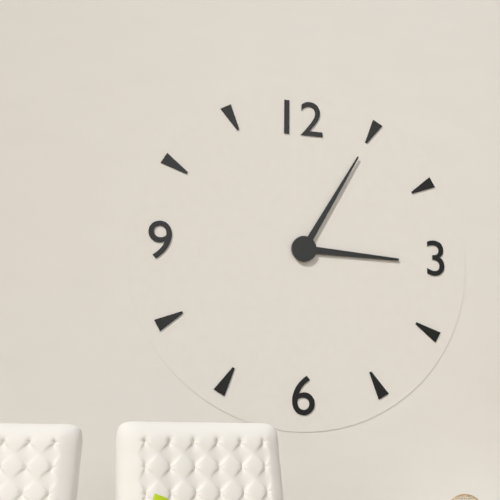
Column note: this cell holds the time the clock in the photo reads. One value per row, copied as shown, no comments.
3:05
